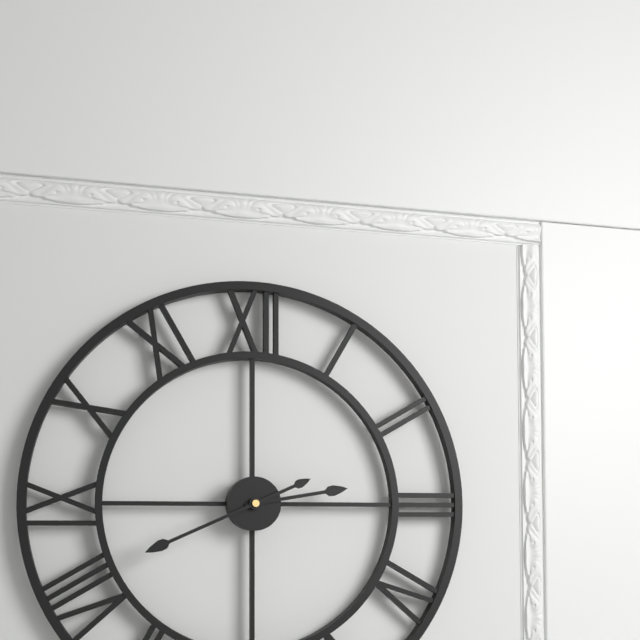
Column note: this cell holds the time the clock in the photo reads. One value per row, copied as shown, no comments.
2:41
